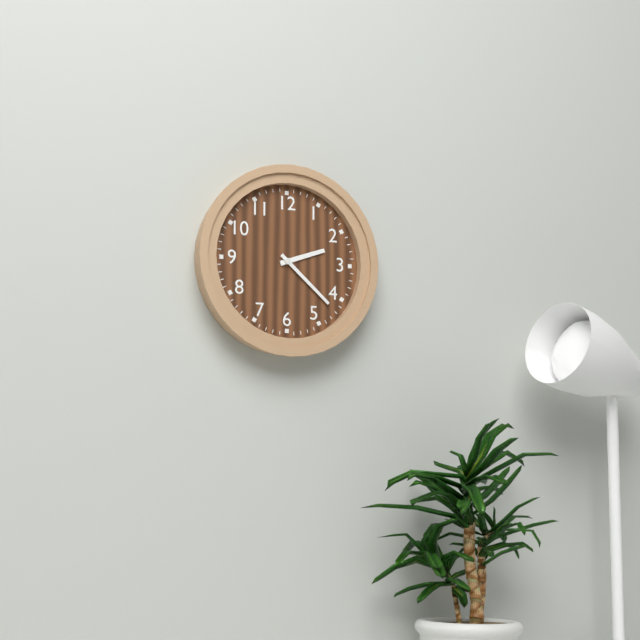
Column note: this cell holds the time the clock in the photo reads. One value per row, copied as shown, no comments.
2:22
